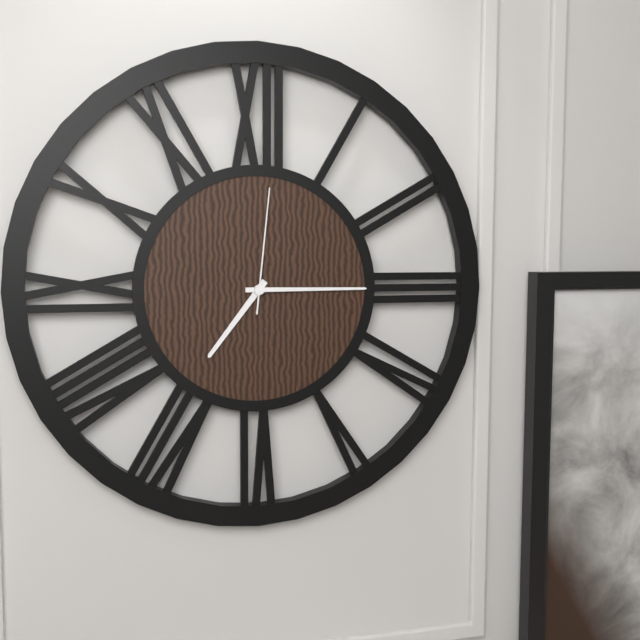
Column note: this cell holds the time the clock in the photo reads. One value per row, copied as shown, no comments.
7:15:01
